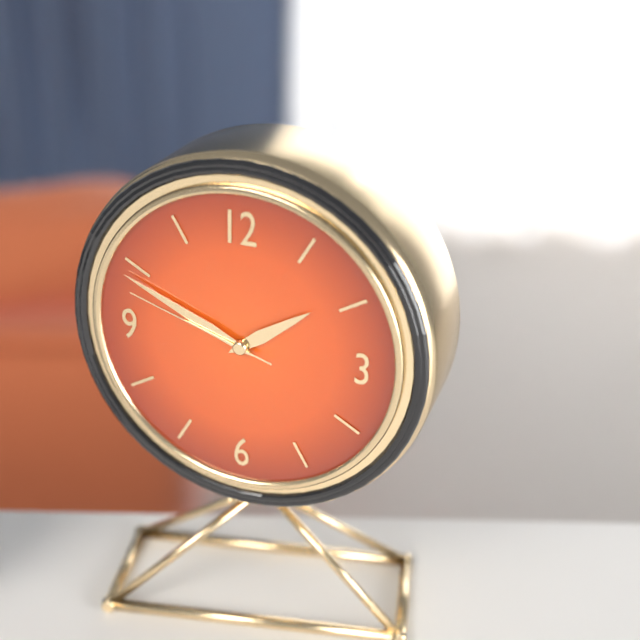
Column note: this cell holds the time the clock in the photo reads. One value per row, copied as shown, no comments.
1:49:48
